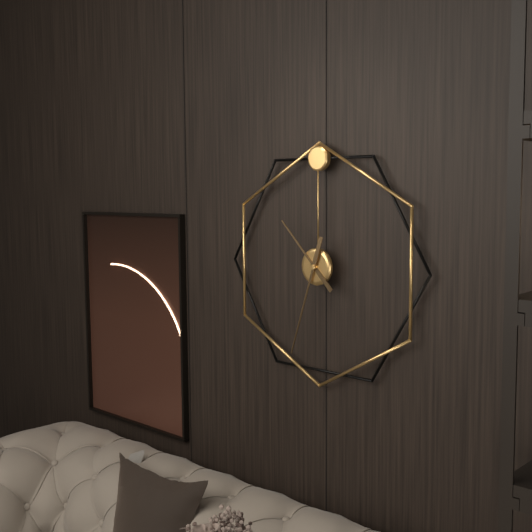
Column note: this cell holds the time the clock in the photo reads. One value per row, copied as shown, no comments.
10:33
